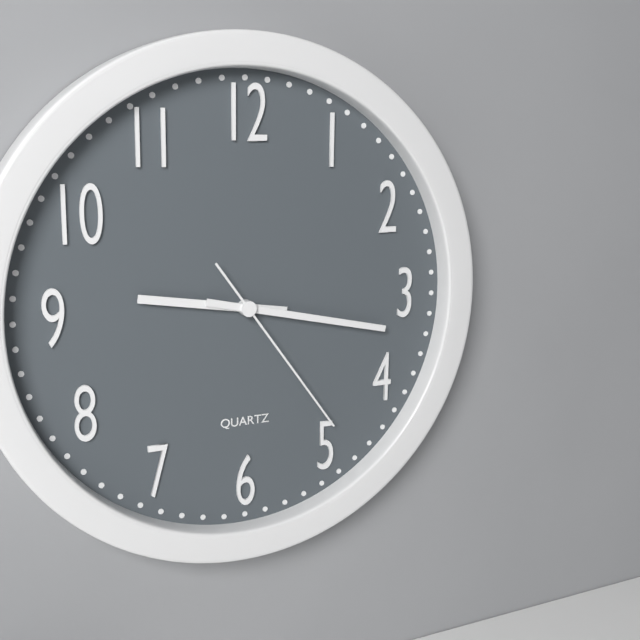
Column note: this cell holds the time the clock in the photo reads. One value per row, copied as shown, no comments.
9:17:24
